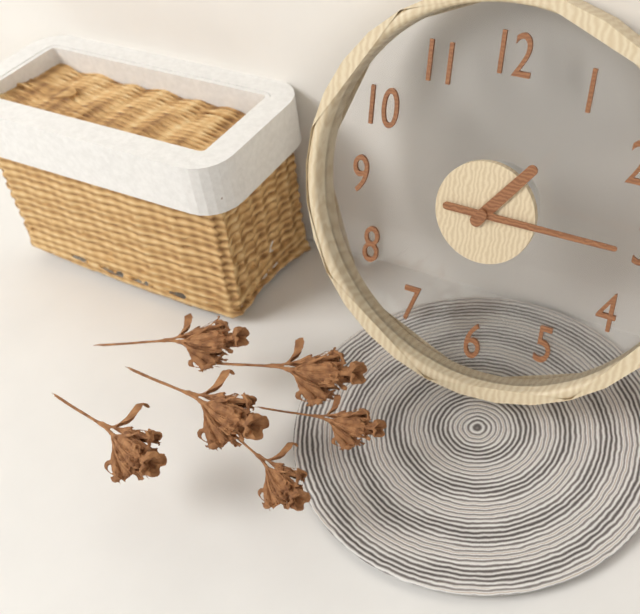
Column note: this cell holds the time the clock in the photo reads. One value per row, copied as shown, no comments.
1:15
